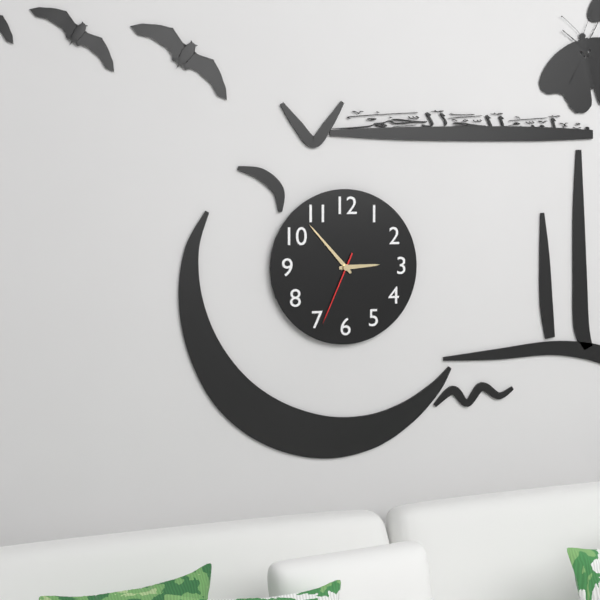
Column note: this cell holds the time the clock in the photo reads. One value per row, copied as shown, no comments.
2:53:34
